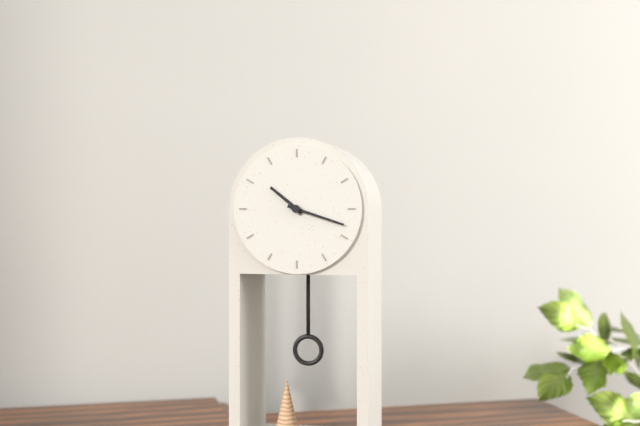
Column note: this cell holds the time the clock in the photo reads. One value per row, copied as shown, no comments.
10:18
